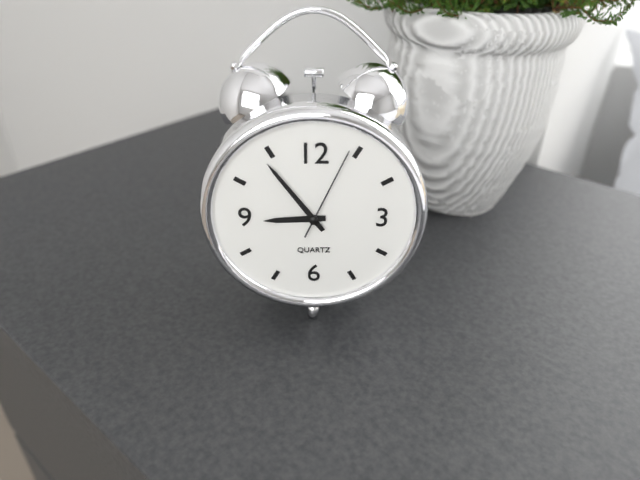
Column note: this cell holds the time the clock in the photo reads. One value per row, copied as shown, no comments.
8:54:04
